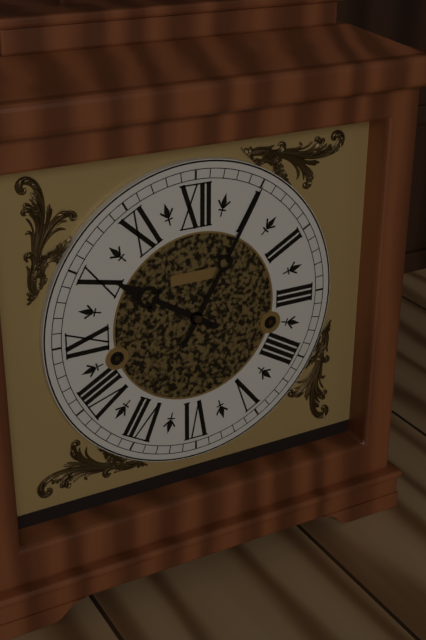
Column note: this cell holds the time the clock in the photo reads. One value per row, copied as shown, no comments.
10:05
